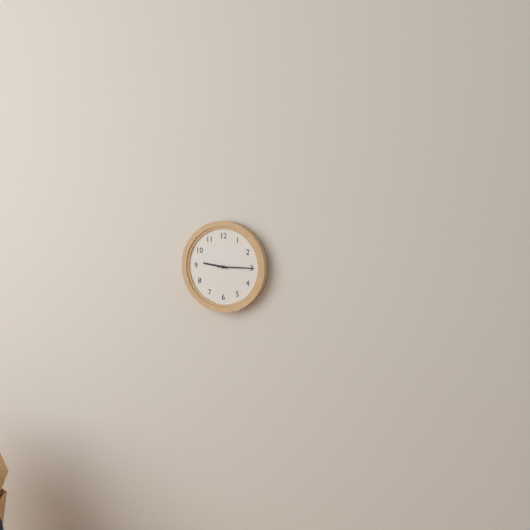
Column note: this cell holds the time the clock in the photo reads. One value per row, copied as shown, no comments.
9:15
